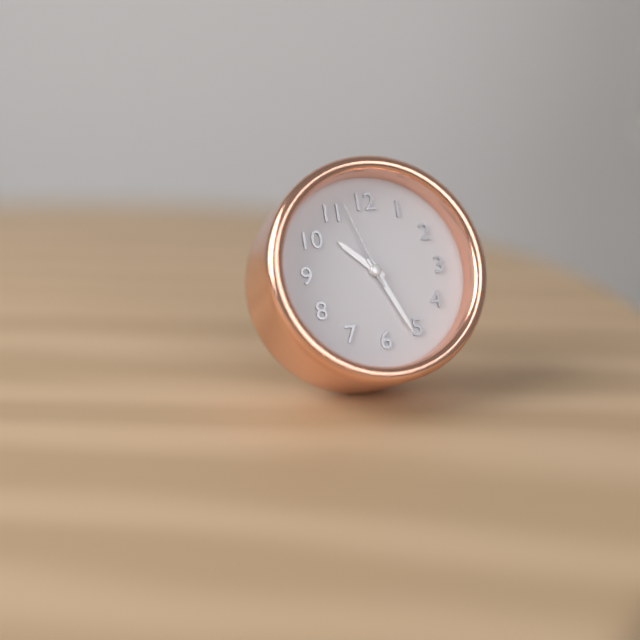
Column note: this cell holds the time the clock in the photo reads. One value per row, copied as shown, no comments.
10:26:57
